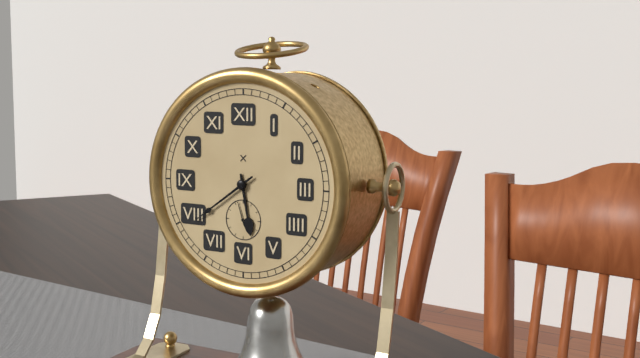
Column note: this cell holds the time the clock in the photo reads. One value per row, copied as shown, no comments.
5:39
